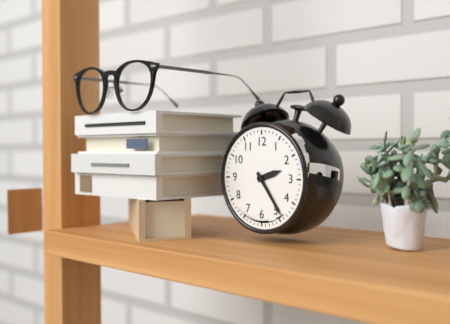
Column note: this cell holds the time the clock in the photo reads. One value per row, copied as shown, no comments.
2:24
